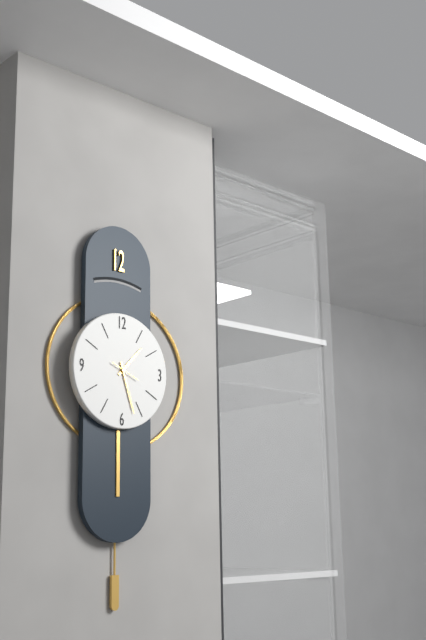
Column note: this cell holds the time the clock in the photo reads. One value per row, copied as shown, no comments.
1:27
